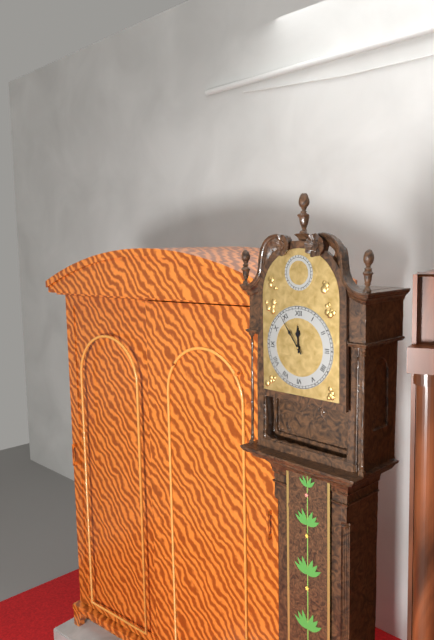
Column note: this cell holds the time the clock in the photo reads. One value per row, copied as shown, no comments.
11:54
